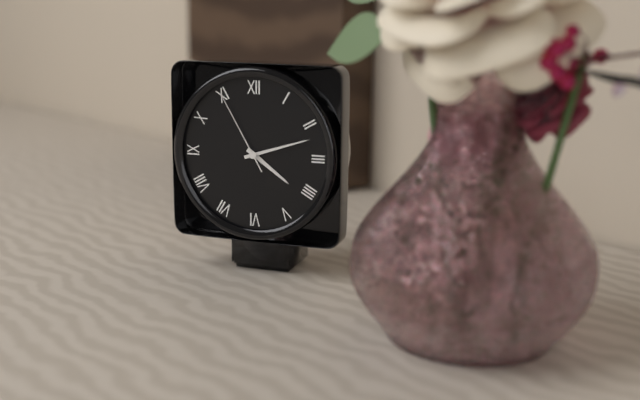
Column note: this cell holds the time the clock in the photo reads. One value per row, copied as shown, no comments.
4:12:55
